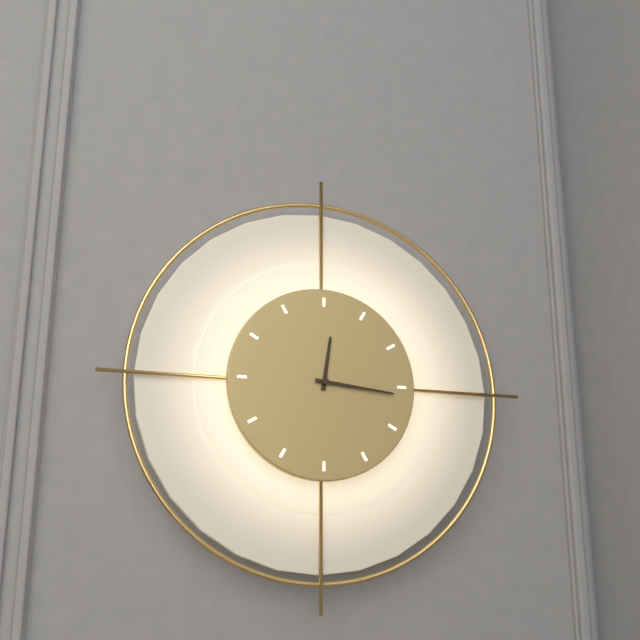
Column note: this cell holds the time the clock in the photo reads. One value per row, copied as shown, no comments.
12:16
